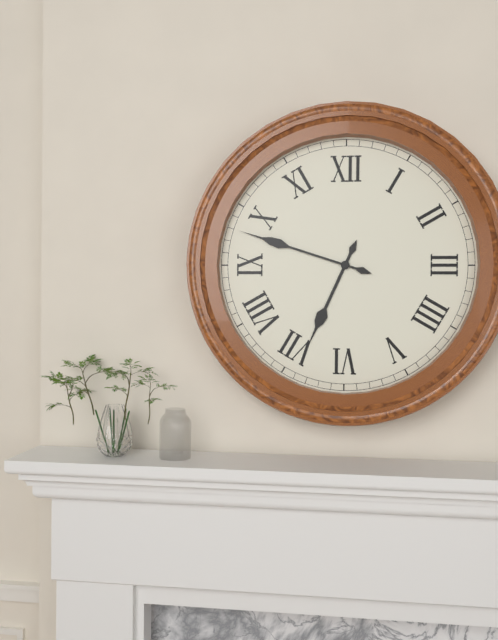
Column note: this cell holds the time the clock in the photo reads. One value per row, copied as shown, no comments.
6:48
